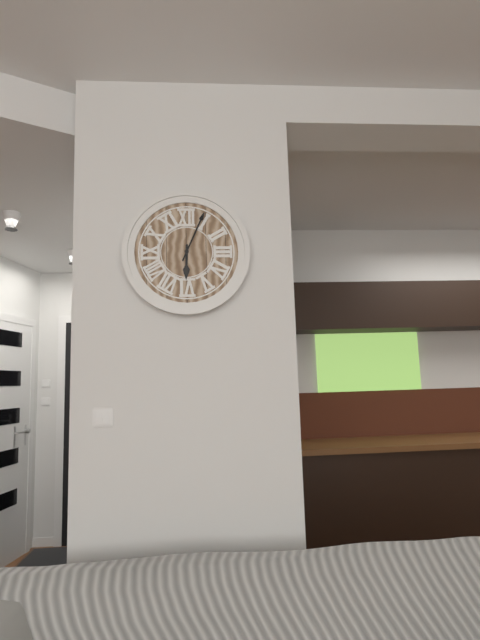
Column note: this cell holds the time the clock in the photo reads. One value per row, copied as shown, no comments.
6:04
